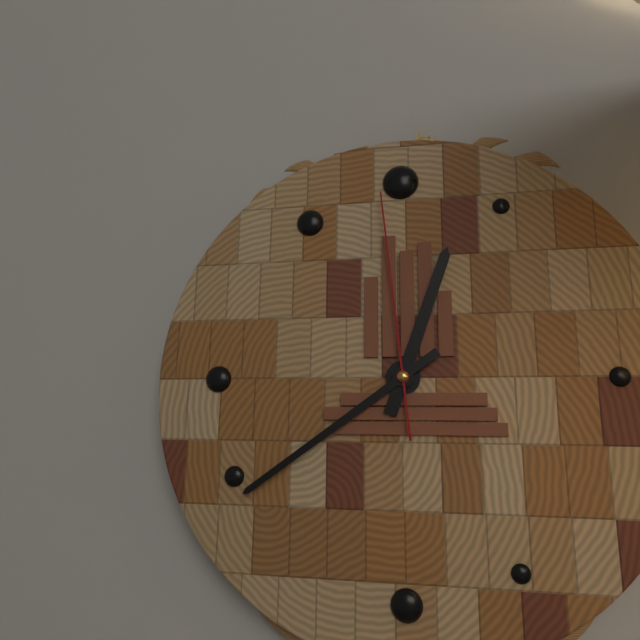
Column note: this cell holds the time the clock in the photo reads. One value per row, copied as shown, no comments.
12:39:59
